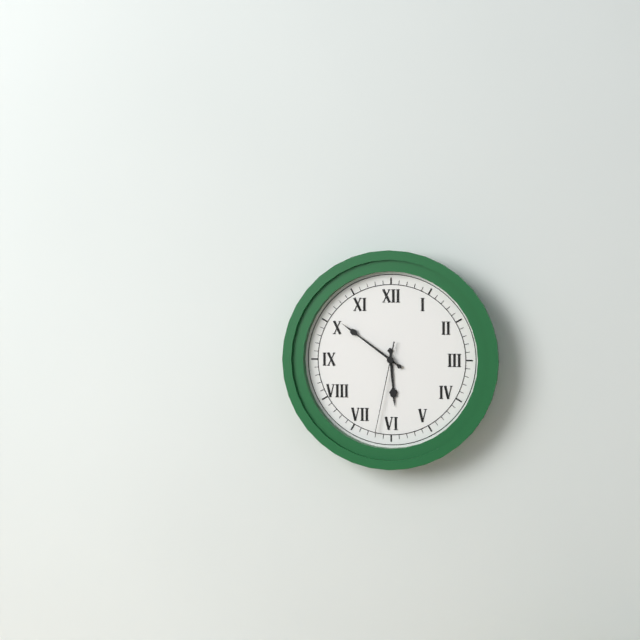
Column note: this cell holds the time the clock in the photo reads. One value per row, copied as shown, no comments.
5:51:32
